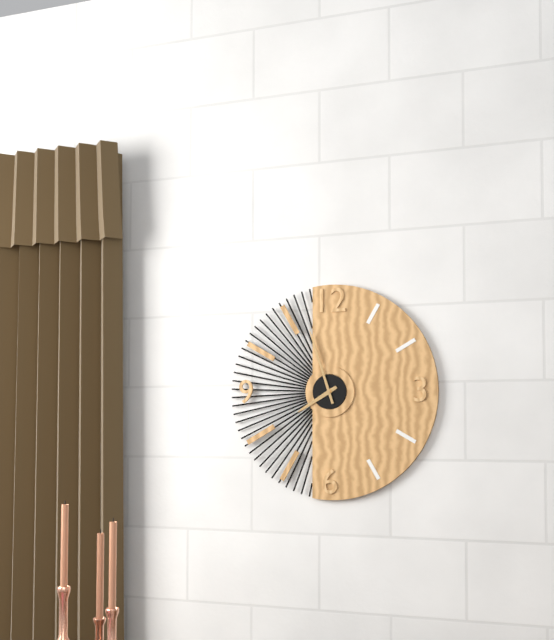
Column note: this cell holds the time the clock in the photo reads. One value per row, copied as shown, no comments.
7:57
